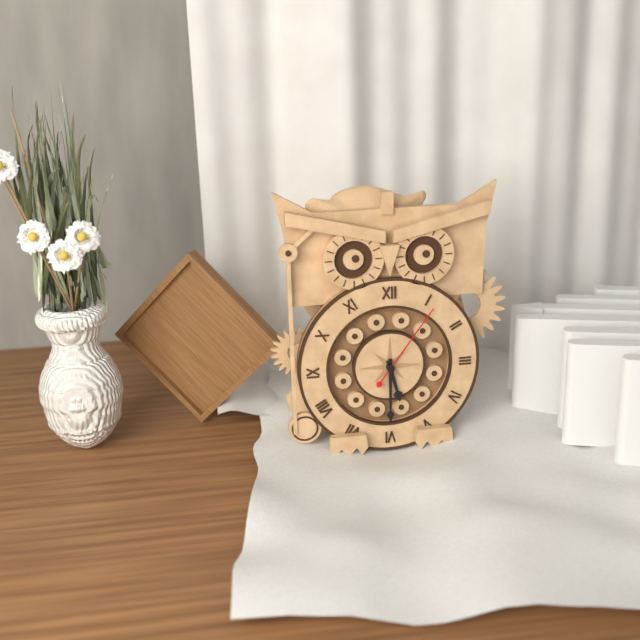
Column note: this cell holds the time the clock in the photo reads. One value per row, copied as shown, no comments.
5:30:06
